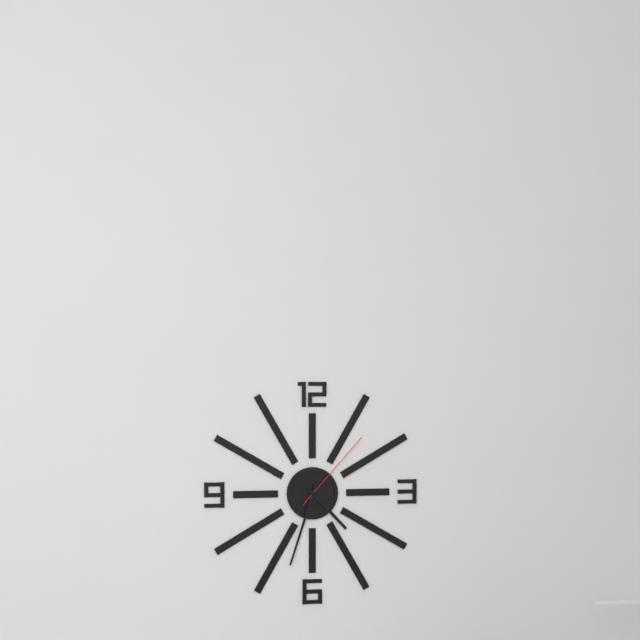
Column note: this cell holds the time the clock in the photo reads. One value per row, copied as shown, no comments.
4:33:07
